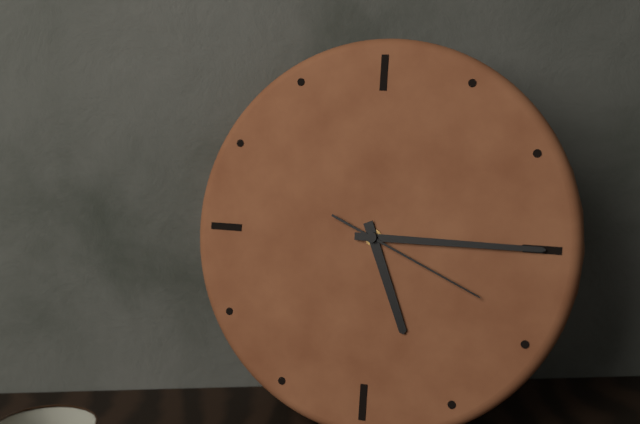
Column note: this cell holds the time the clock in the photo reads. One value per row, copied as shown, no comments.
5:15:19
